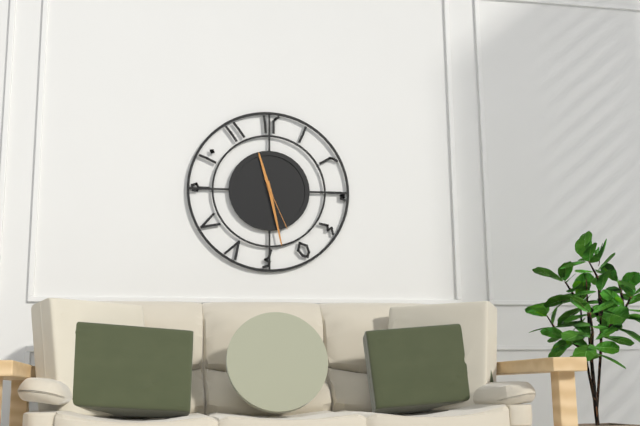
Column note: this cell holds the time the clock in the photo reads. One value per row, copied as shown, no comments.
11:28:26
